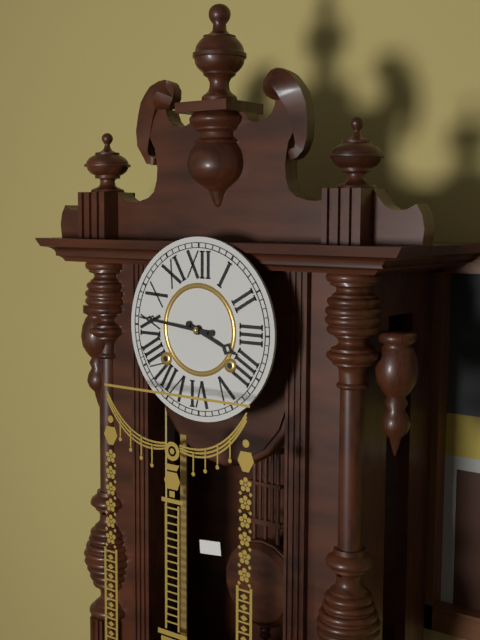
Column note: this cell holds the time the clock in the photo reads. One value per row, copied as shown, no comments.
3:46
